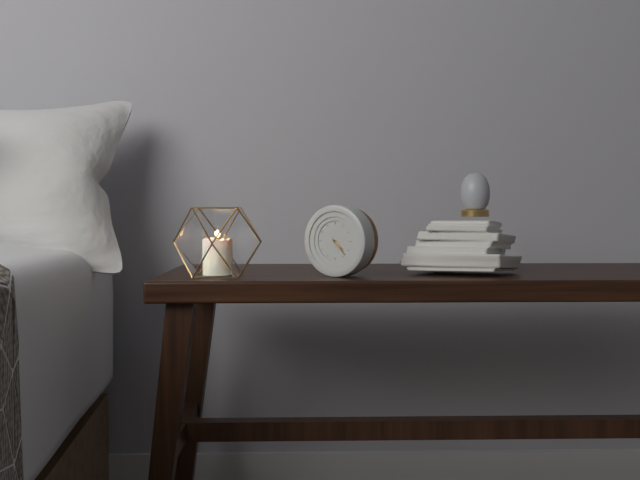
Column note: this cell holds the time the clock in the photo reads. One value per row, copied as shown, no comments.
4:23
